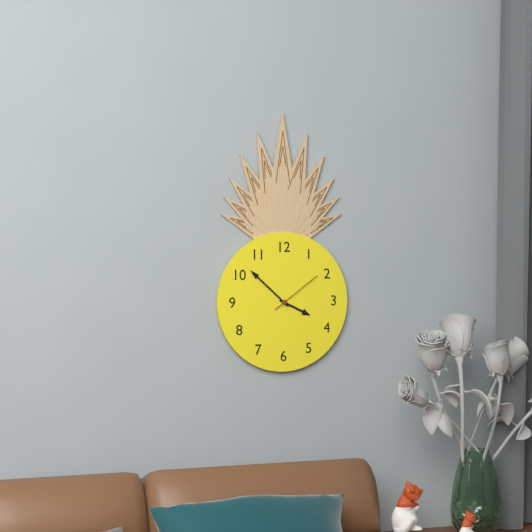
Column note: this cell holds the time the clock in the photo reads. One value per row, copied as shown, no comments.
3:52:09
